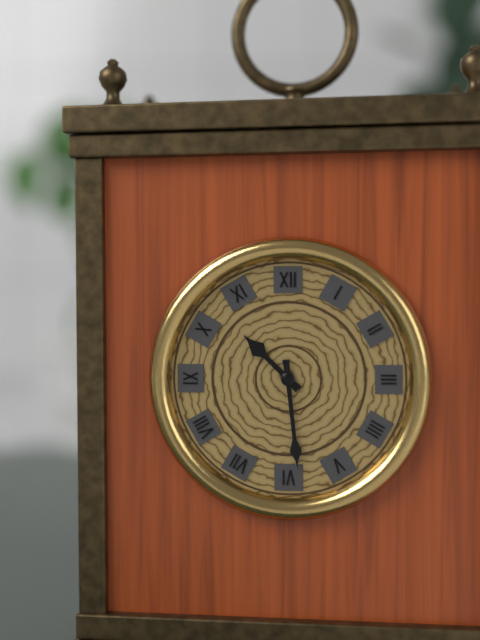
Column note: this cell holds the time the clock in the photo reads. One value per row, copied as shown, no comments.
10:29
